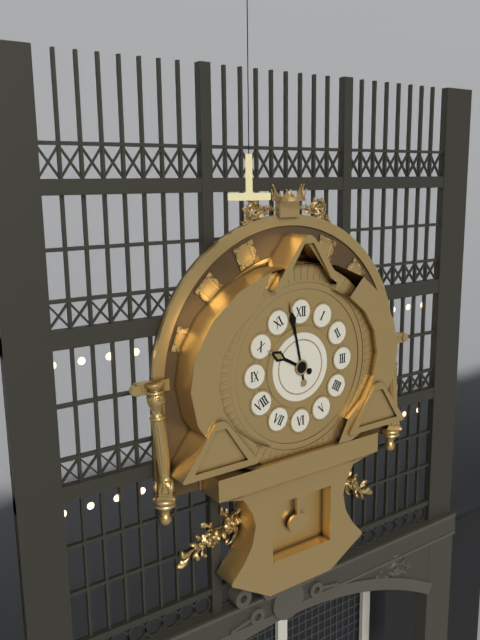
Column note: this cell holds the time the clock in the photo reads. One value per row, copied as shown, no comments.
9:58
